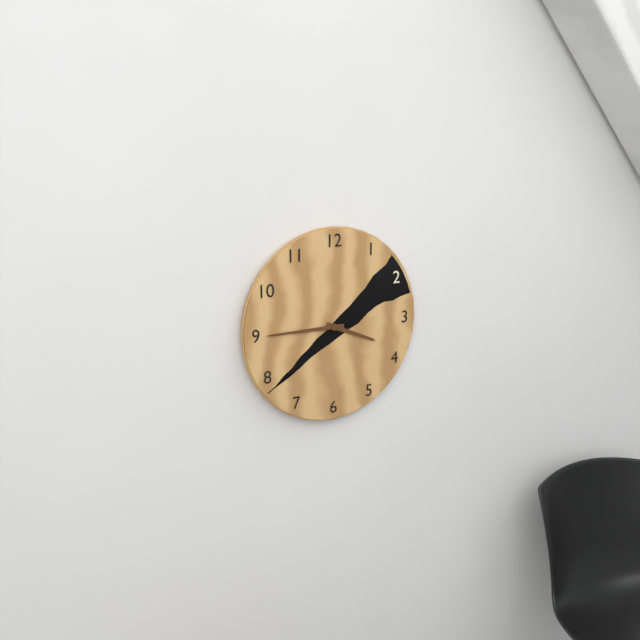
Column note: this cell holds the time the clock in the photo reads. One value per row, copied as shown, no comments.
3:45
